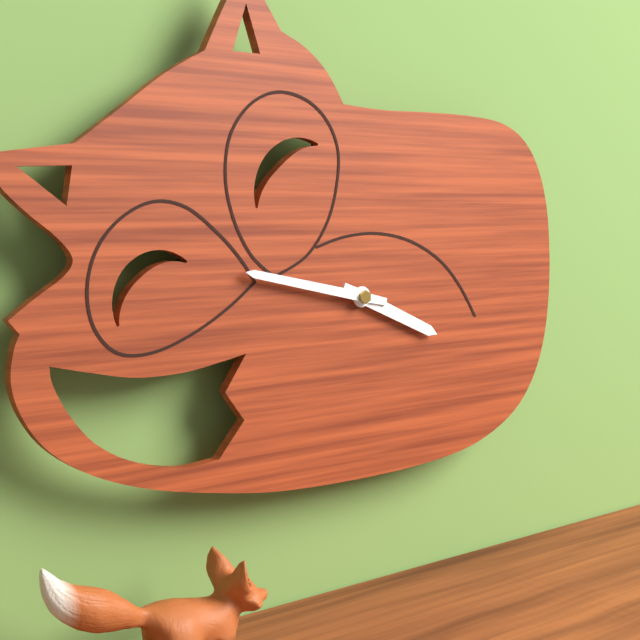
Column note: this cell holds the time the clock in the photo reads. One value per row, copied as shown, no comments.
3:47
